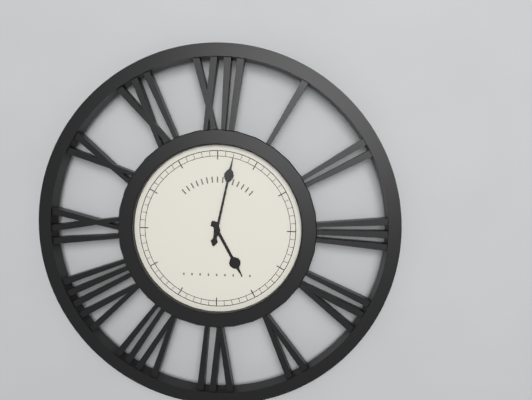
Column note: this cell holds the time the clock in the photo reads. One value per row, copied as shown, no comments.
5:02
